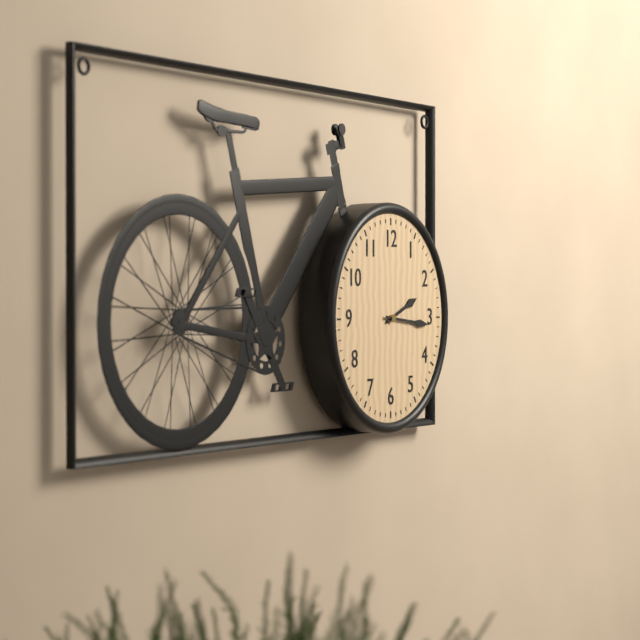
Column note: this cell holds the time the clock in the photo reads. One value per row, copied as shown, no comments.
2:16
